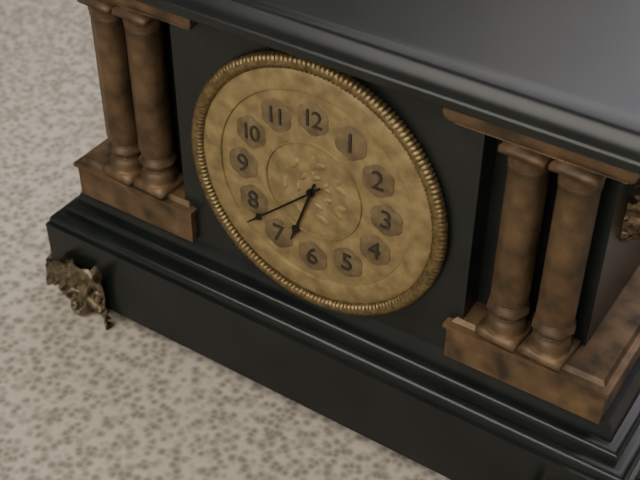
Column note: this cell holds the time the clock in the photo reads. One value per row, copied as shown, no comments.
6:38
